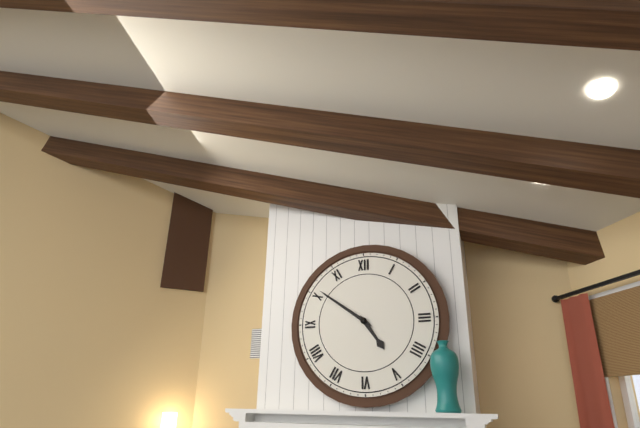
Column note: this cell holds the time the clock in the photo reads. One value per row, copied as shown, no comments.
4:51
